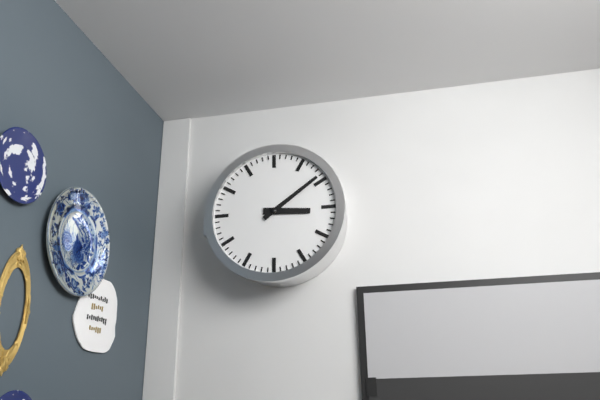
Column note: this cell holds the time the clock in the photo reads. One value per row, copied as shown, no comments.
3:09
